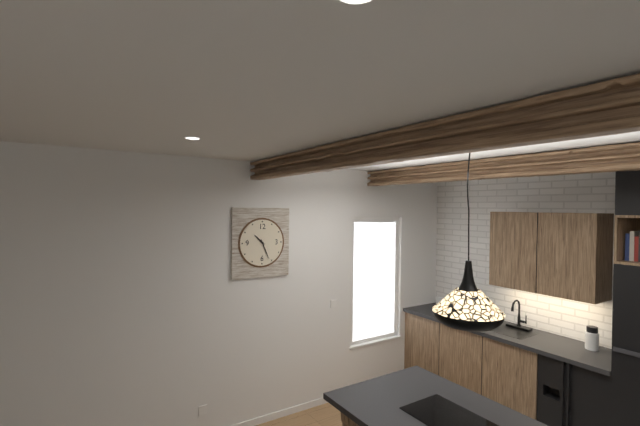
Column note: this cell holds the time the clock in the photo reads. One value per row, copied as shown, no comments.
10:26
